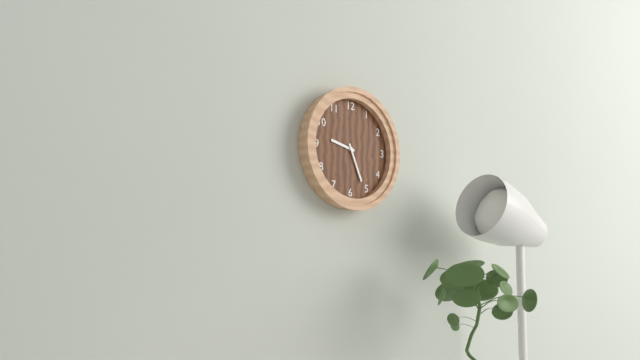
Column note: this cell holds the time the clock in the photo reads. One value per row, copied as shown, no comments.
9:26
